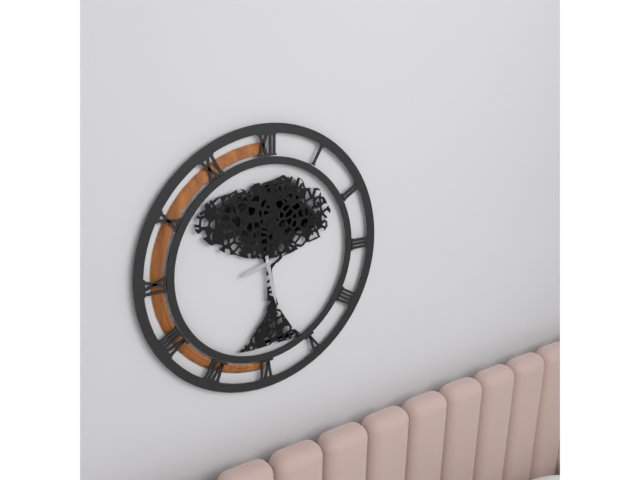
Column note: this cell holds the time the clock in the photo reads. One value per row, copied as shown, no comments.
8:28
